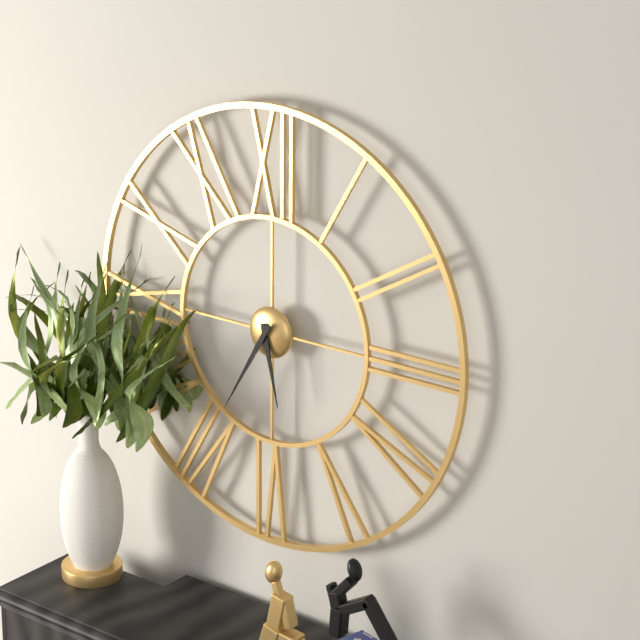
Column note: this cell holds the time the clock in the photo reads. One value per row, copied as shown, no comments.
5:35
